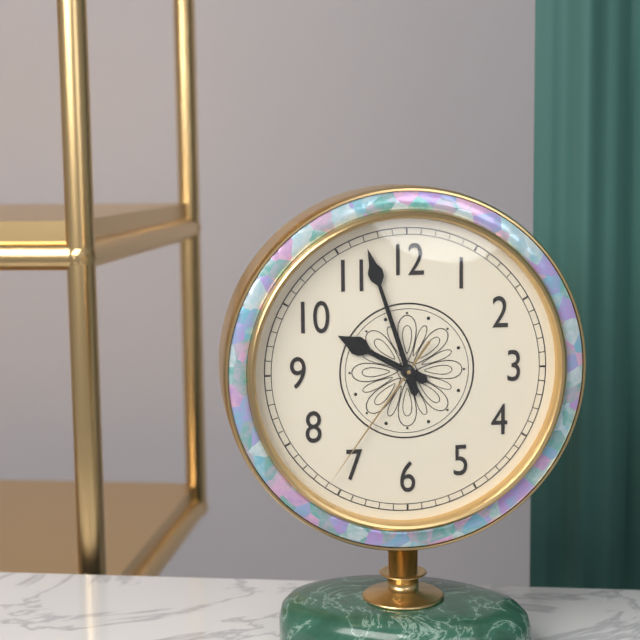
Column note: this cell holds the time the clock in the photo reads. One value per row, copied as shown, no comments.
9:57:36
